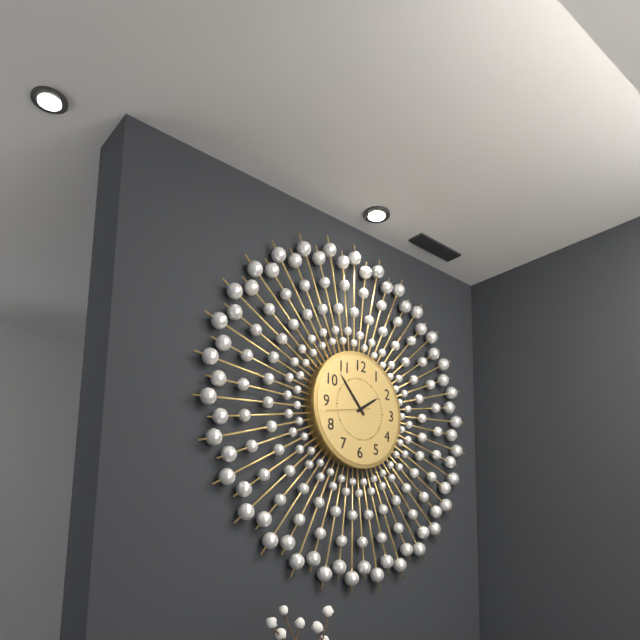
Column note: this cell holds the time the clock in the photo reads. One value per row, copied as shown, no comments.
1:53
